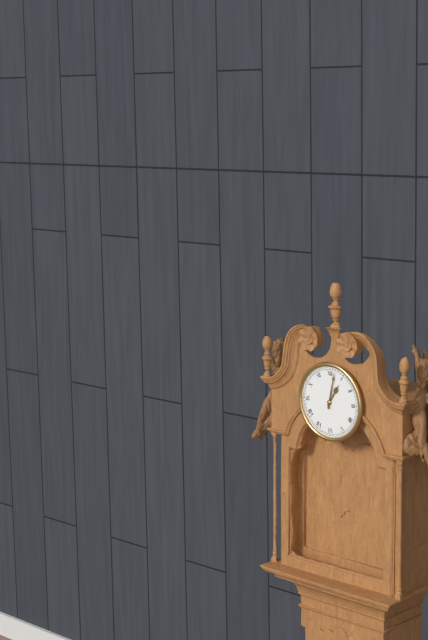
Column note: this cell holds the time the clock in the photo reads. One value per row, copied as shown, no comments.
1:02
